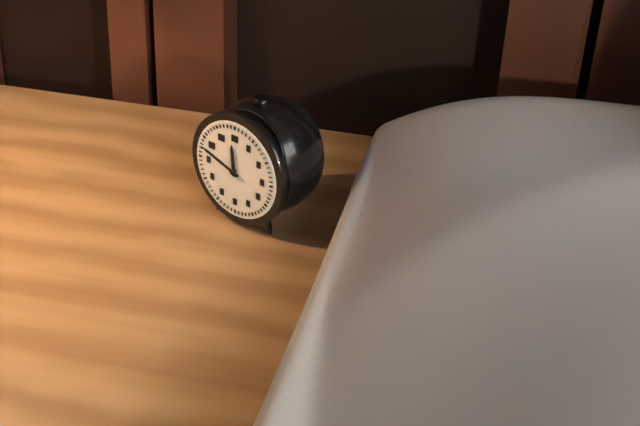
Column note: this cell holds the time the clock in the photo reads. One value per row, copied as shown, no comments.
11:48
